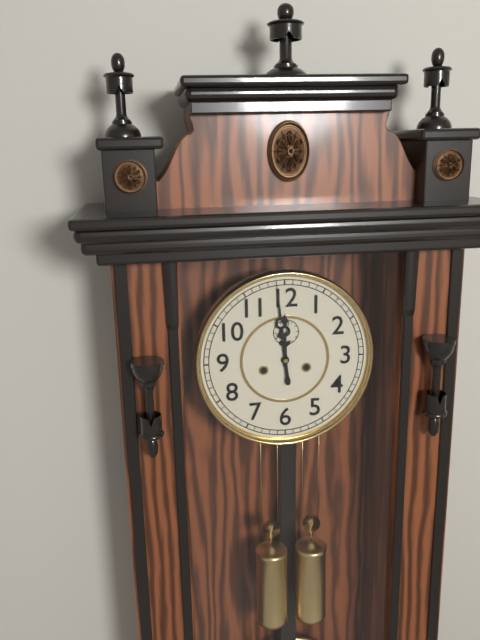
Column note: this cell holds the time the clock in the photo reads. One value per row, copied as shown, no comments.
11:59
